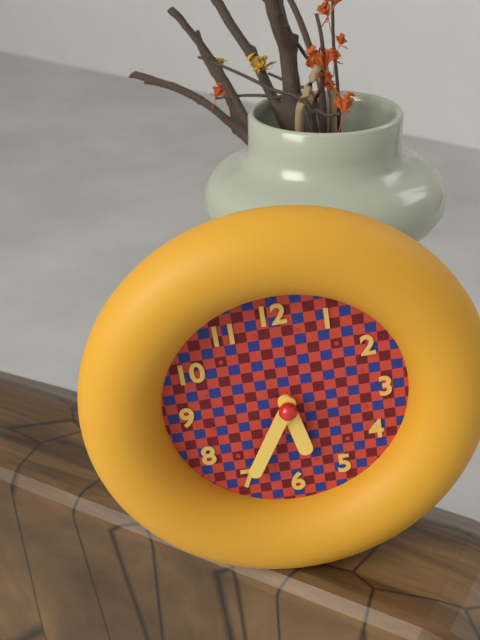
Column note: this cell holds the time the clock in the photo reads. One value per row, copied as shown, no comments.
5:35
